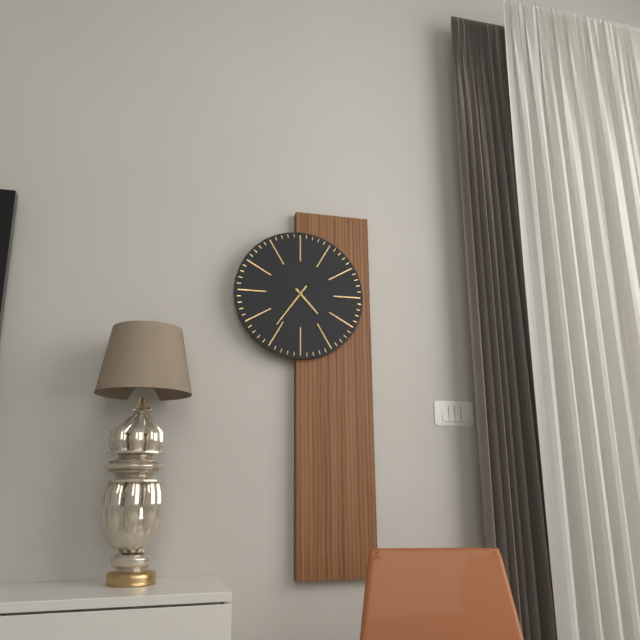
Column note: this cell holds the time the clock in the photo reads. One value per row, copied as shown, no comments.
4:36
